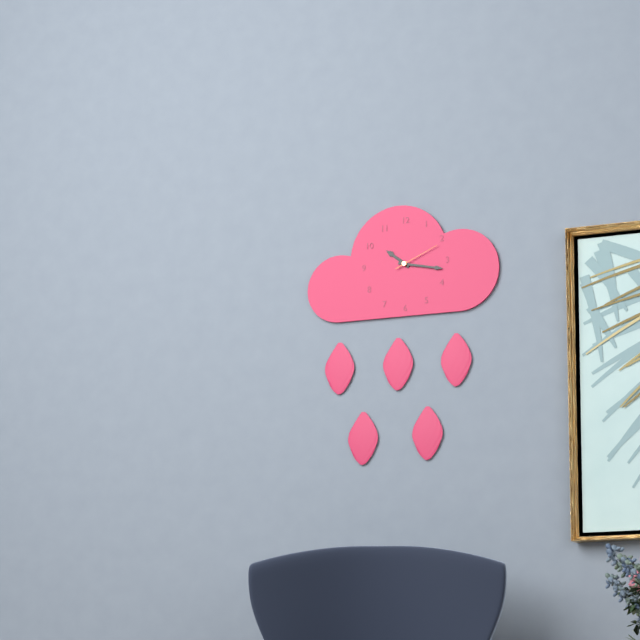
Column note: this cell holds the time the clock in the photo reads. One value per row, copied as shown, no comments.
10:17
